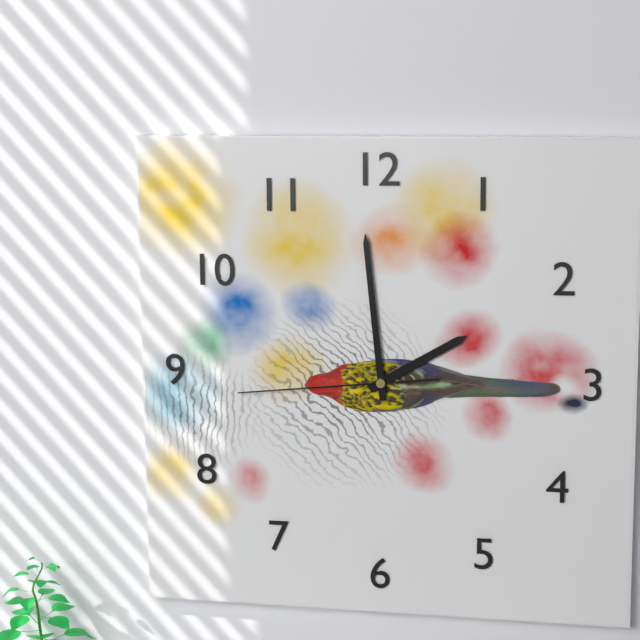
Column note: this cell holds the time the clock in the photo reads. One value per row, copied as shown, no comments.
1:59:44
